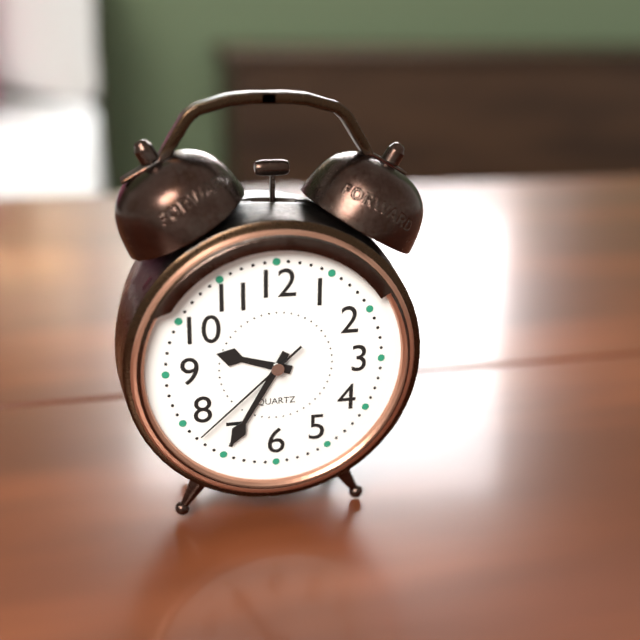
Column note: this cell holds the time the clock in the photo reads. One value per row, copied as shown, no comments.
9:35:38
